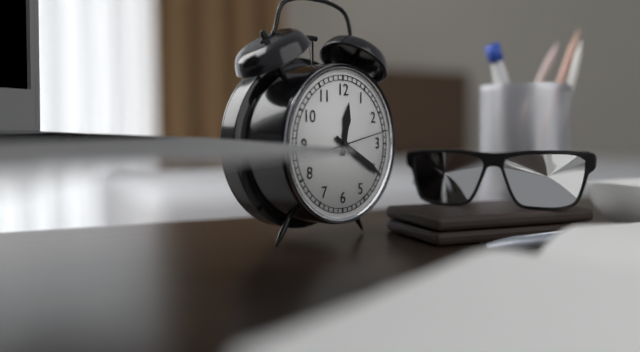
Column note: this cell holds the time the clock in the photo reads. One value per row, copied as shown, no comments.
12:20:13
